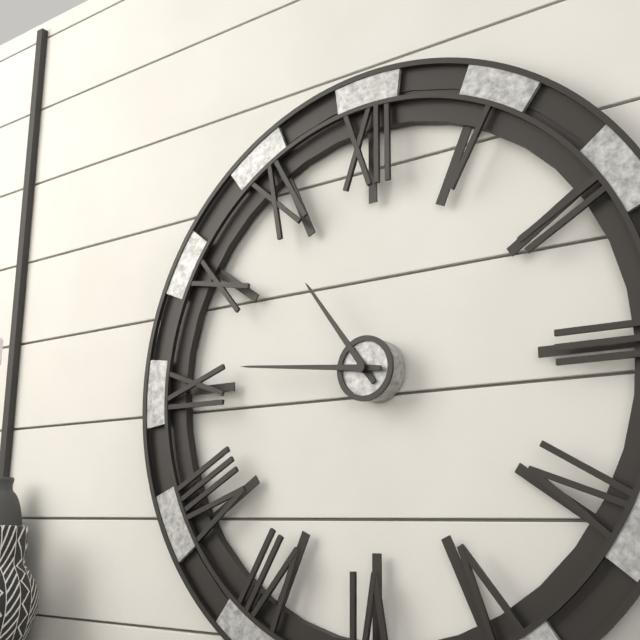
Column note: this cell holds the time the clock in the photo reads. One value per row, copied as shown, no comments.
10:46
